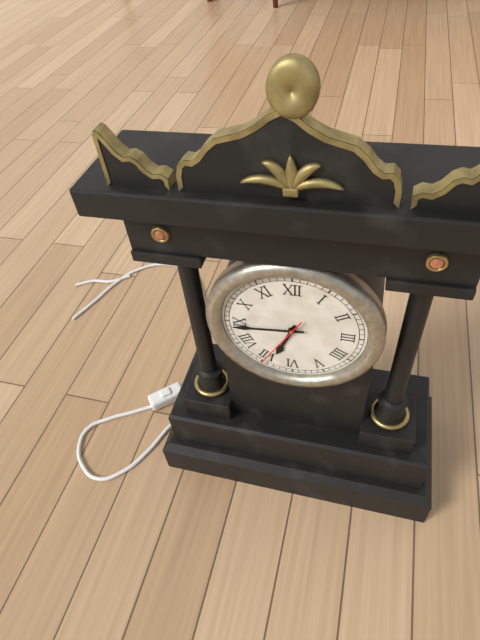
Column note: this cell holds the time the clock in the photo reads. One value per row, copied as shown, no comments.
6:44:35
